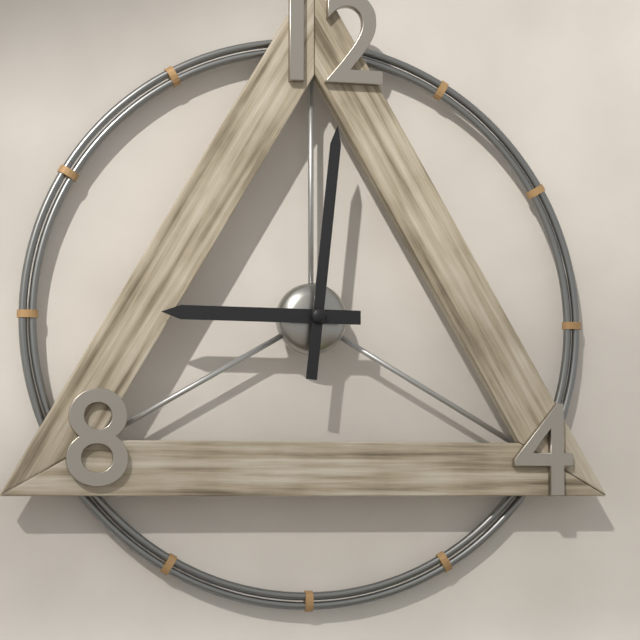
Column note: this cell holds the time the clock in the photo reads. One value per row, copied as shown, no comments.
9:01
